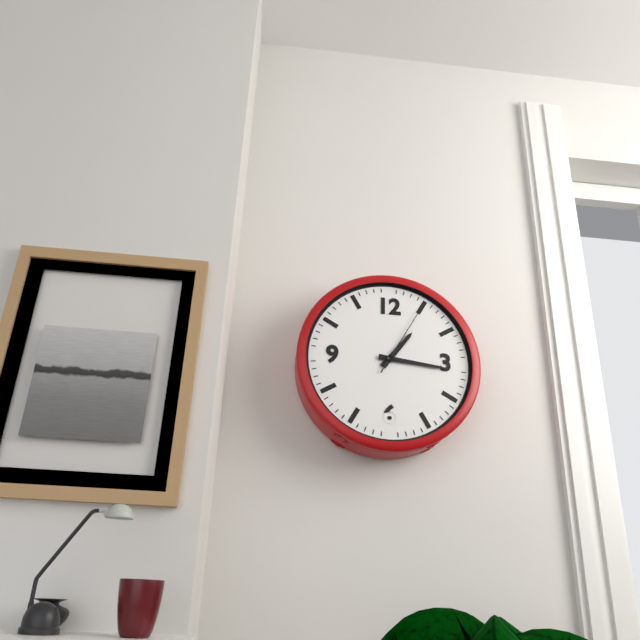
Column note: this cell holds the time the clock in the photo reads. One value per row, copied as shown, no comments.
1:16:05
